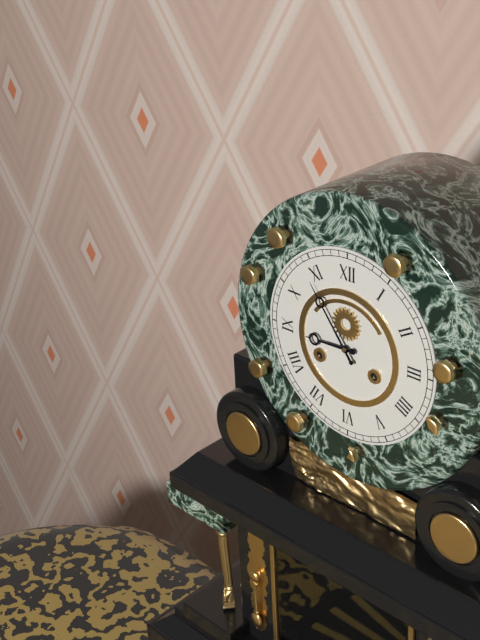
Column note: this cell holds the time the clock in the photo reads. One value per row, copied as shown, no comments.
8:54
